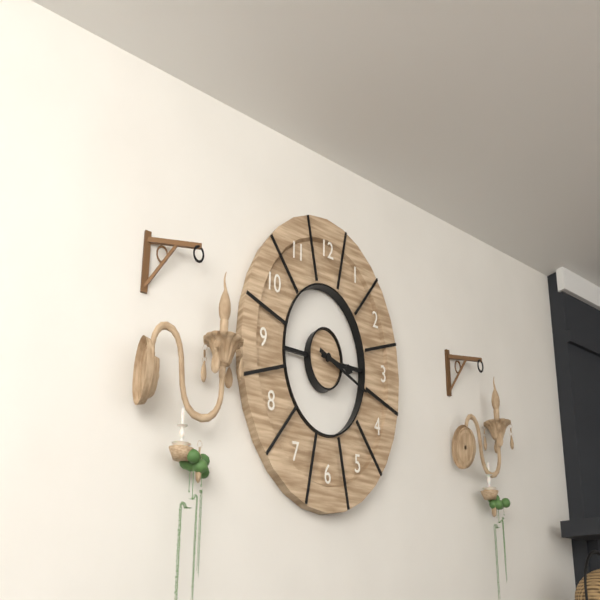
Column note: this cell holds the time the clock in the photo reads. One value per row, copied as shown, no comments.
3:18
